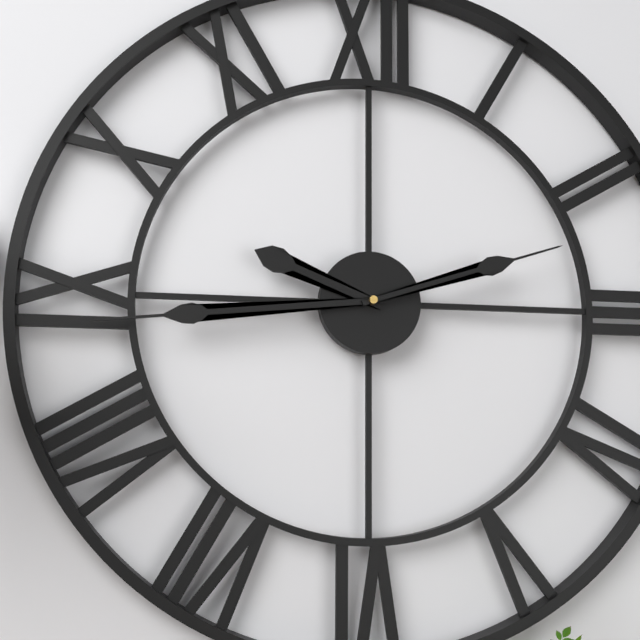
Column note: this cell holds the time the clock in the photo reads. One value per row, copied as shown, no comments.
9:44:12
